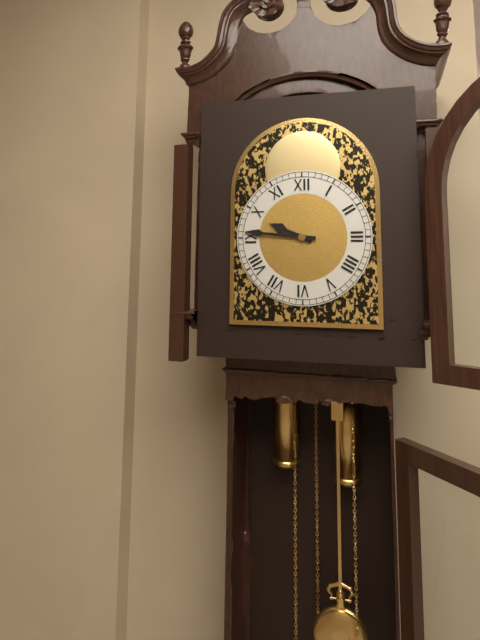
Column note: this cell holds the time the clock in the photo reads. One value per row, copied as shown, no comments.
9:46
